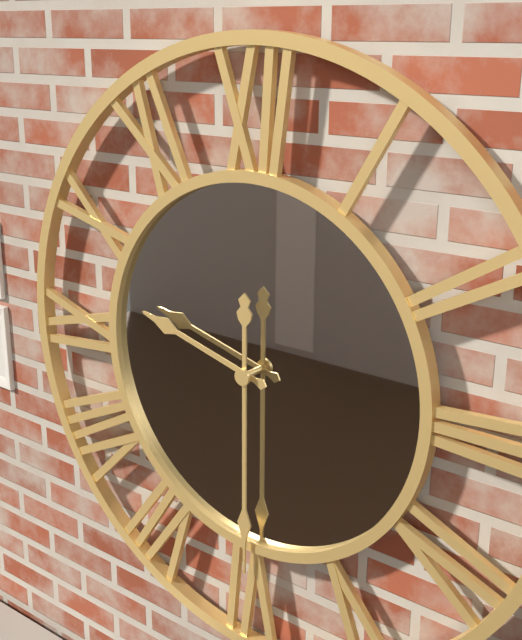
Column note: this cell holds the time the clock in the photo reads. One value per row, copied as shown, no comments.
9:30
